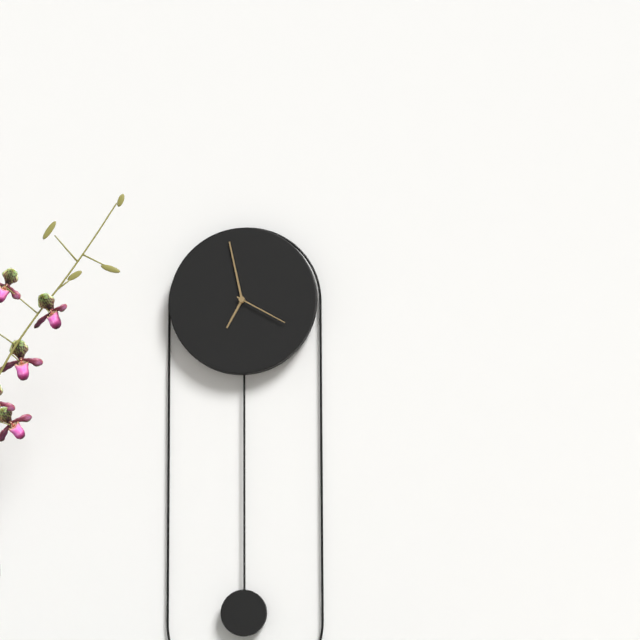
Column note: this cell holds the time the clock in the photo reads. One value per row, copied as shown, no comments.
6:58:20
